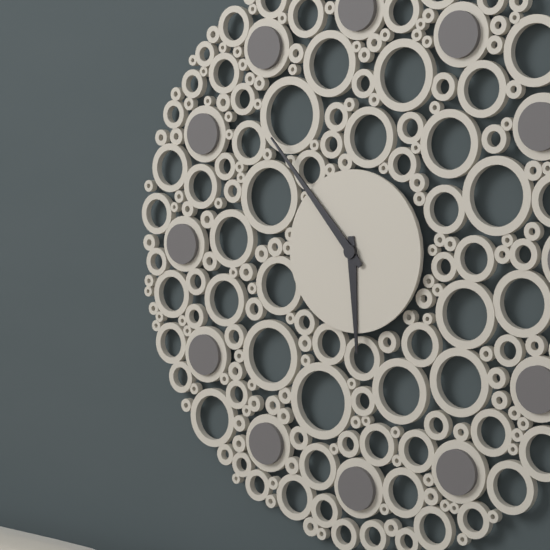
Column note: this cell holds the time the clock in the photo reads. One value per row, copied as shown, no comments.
5:53
